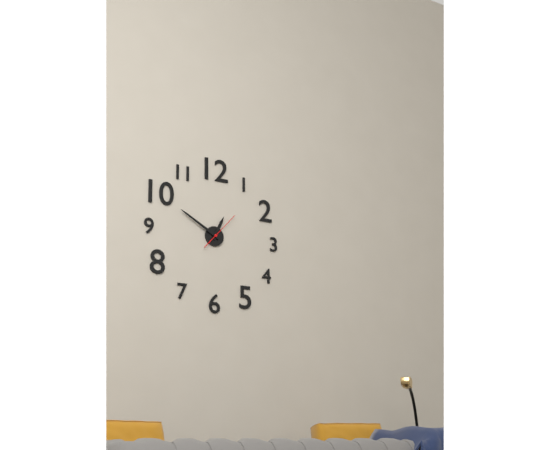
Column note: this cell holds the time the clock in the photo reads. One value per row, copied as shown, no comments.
12:50
